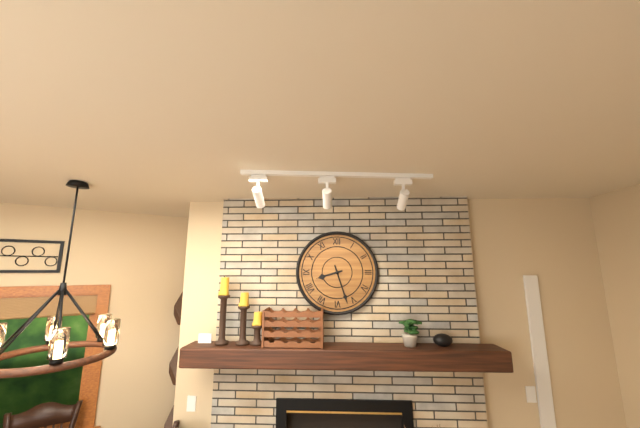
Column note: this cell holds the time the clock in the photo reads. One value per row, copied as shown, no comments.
8:27
